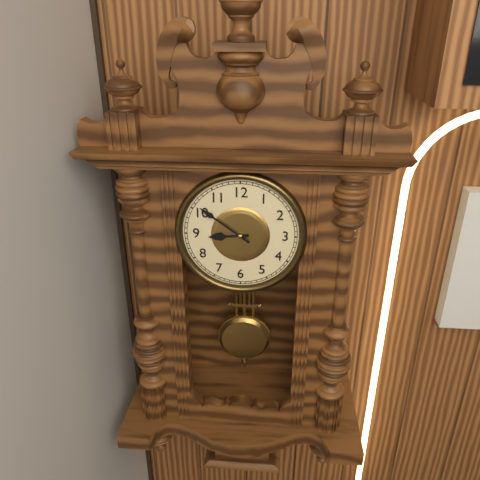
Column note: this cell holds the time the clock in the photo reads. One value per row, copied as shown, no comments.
8:51
